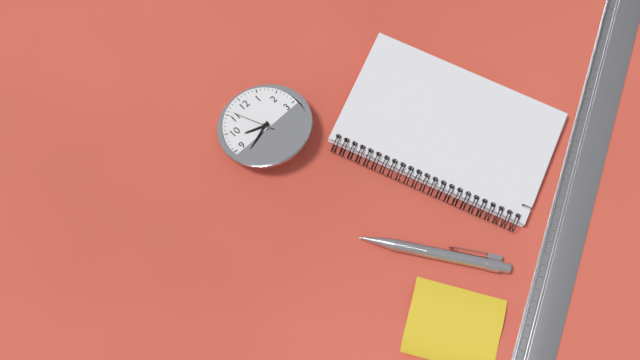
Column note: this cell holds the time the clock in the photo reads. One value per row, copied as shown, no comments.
9:42
